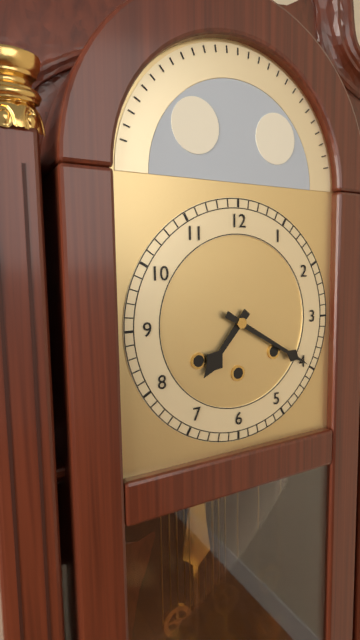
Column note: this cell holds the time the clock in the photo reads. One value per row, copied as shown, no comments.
7:20
